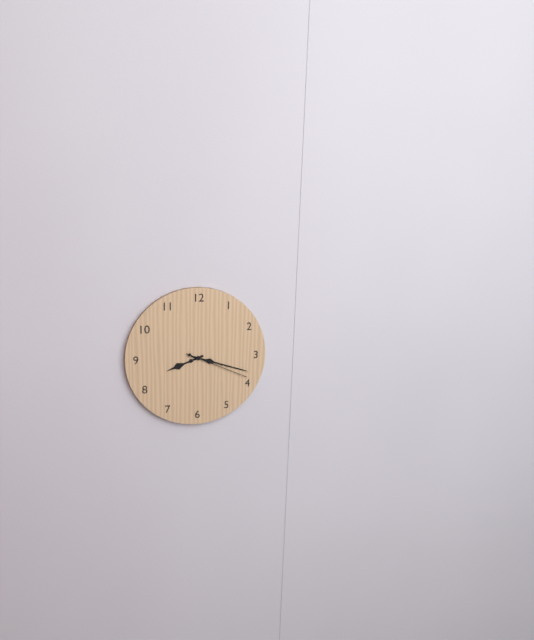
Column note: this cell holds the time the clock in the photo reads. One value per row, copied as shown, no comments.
8:18:19
